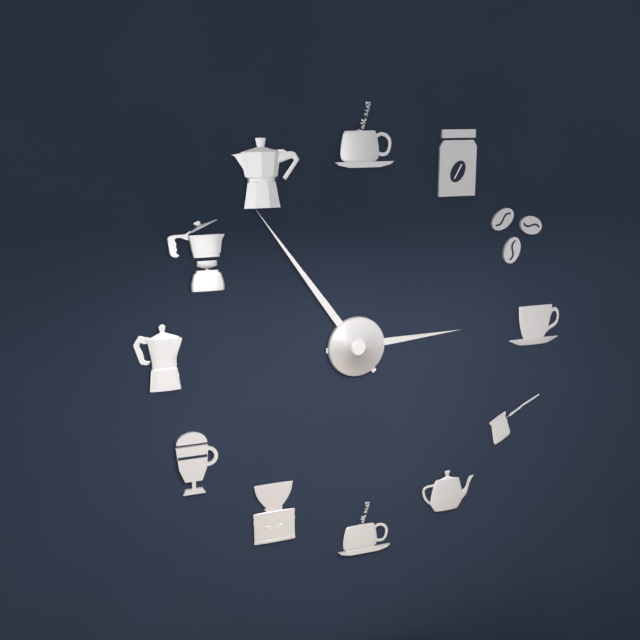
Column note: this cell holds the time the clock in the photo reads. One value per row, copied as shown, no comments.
2:54
